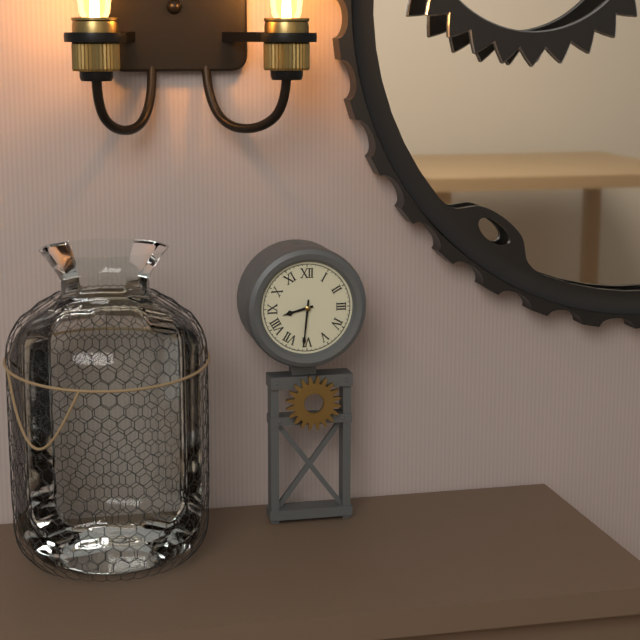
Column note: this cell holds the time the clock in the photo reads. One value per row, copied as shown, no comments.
8:31
